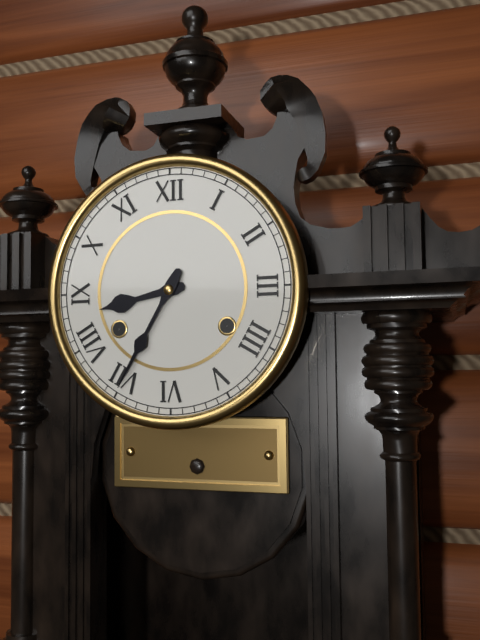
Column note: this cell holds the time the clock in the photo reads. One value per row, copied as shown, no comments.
8:35
